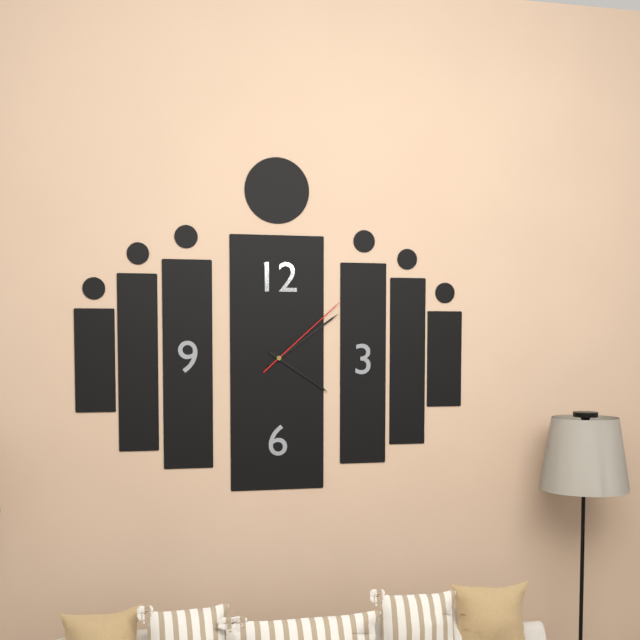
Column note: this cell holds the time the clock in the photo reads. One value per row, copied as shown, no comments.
4:09:08
